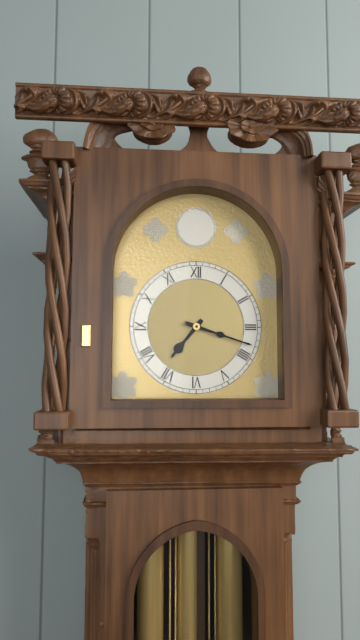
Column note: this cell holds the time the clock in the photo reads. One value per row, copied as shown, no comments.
7:18
